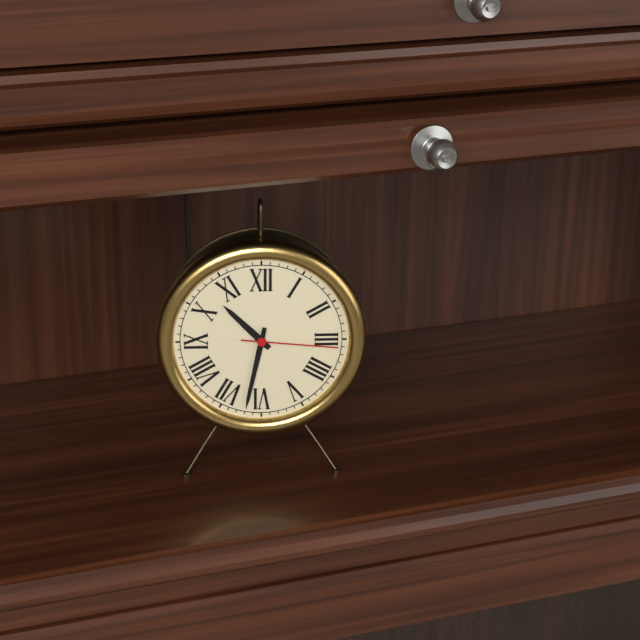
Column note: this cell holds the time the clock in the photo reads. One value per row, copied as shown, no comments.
10:32:16
